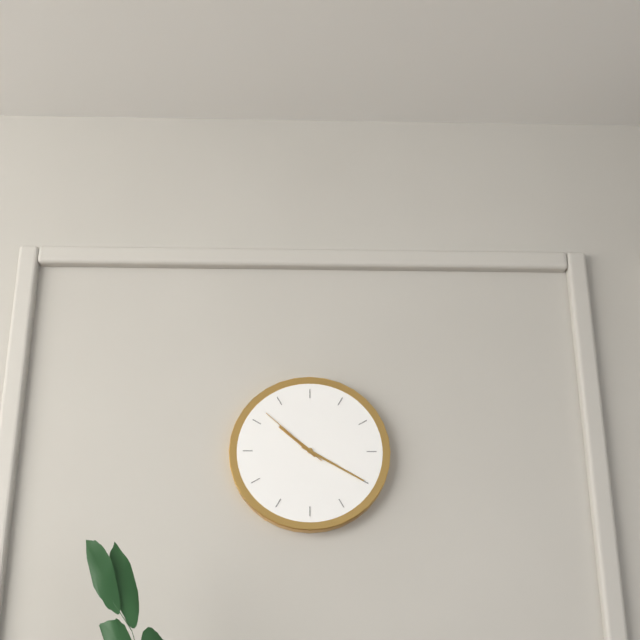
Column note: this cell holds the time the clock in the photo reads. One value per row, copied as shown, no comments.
10:20:52
